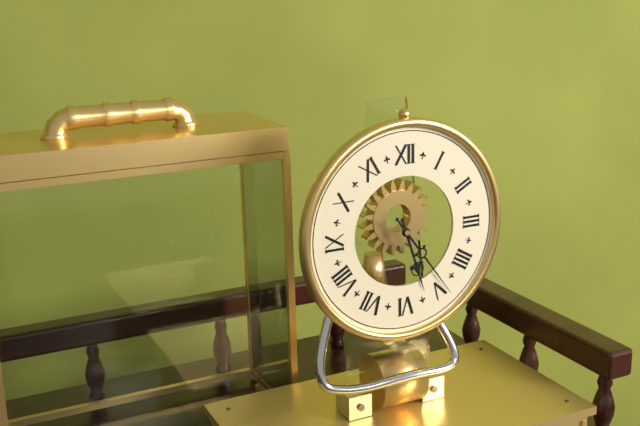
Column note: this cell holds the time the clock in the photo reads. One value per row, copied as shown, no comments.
5:24
